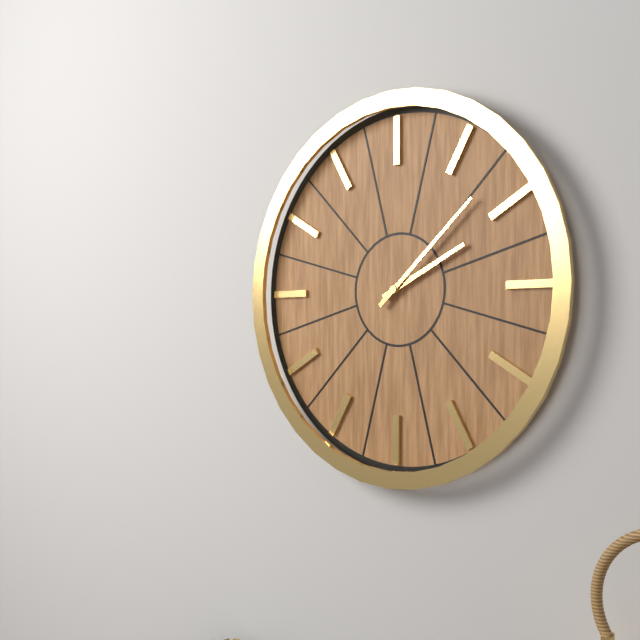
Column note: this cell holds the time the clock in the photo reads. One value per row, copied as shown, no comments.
2:08
